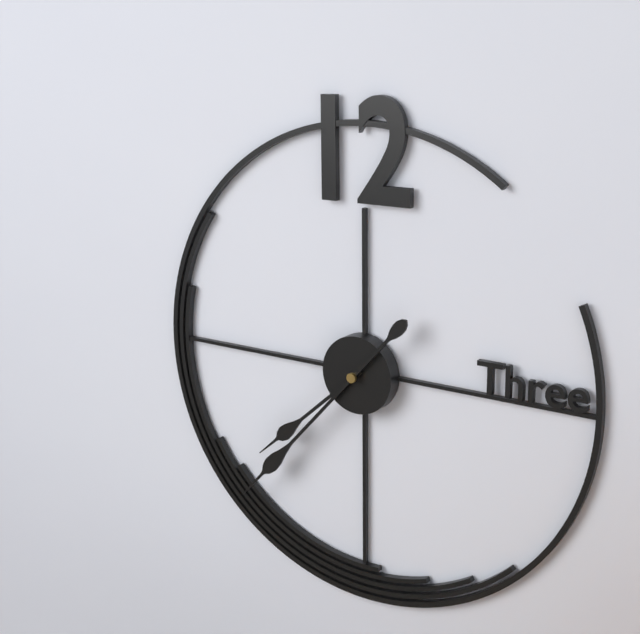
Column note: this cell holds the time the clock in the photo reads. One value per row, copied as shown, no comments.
7:37
